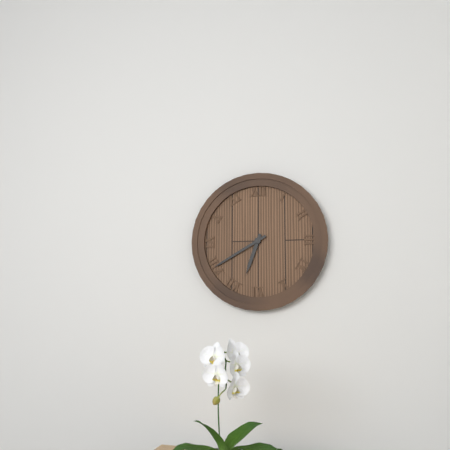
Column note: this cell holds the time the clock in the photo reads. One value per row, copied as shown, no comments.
6:40
